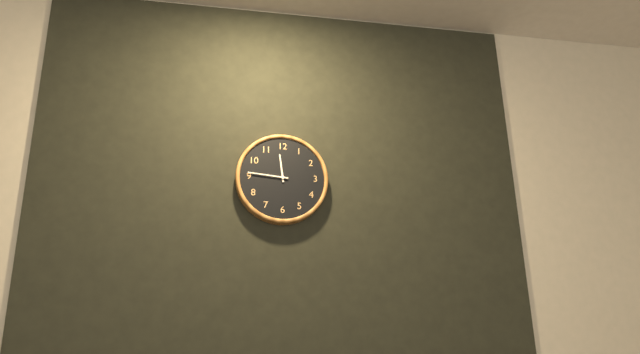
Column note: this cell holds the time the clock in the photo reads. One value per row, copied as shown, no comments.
11:46
